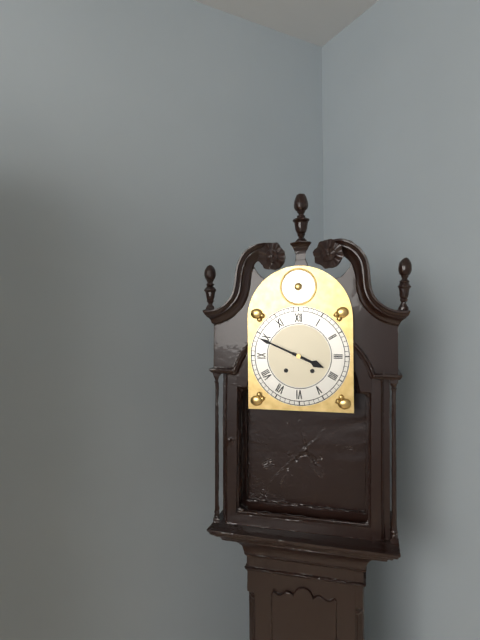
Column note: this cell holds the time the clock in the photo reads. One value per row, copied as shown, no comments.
3:49
